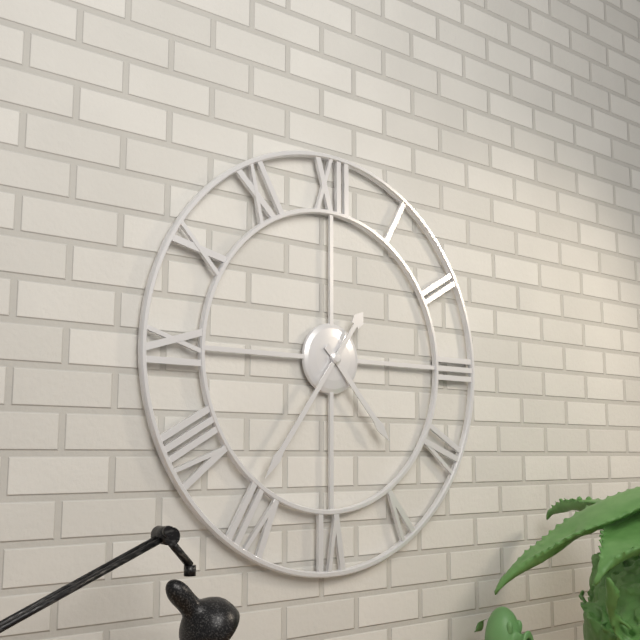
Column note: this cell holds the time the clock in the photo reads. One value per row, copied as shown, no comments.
4:36
